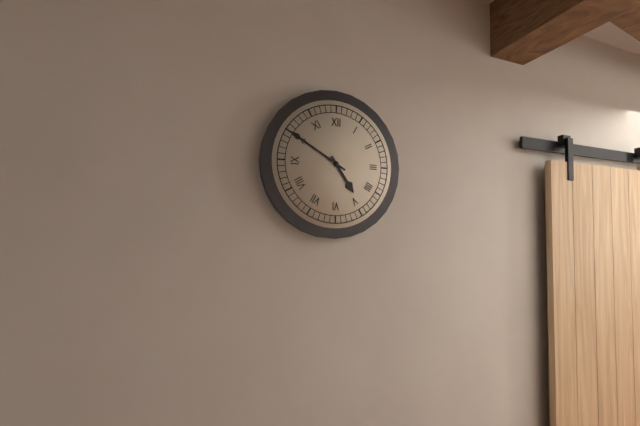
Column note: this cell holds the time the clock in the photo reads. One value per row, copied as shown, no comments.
4:50
